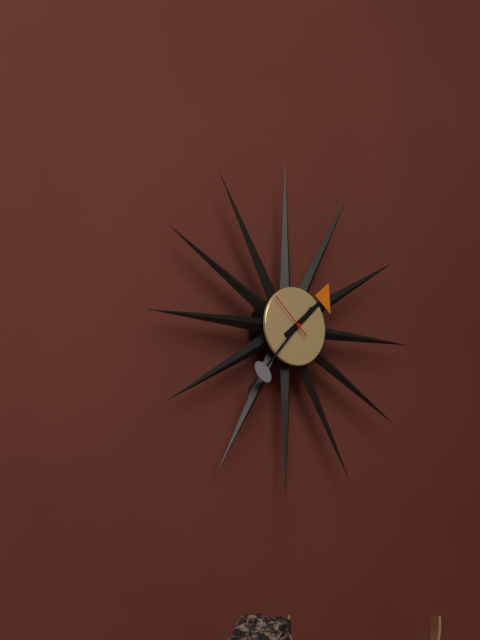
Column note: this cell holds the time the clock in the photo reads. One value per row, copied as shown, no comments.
1:37
